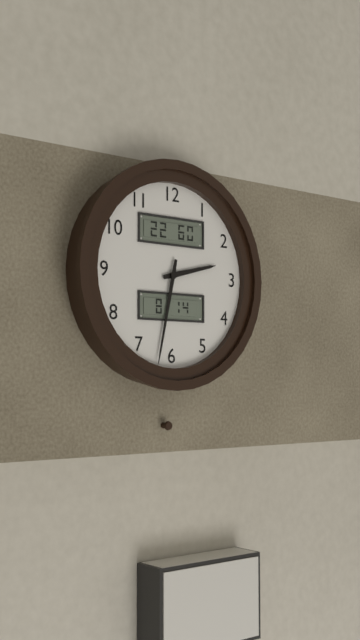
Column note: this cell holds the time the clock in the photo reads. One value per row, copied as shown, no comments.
2:32
